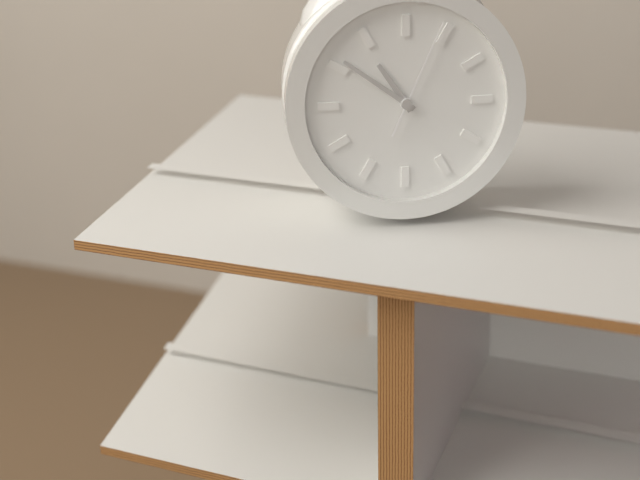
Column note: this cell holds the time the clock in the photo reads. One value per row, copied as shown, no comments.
10:51:04
